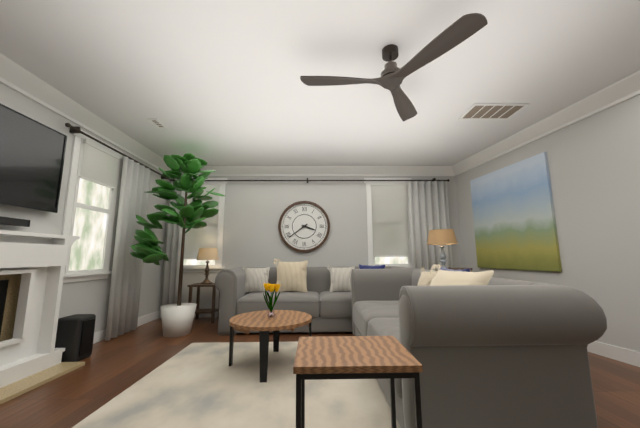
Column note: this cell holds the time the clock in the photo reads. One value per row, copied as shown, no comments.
3:39
